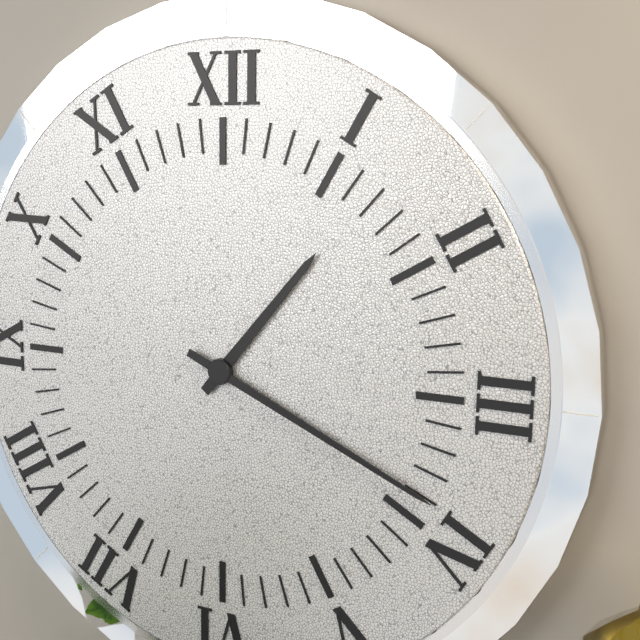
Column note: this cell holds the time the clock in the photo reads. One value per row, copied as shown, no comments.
1:19
